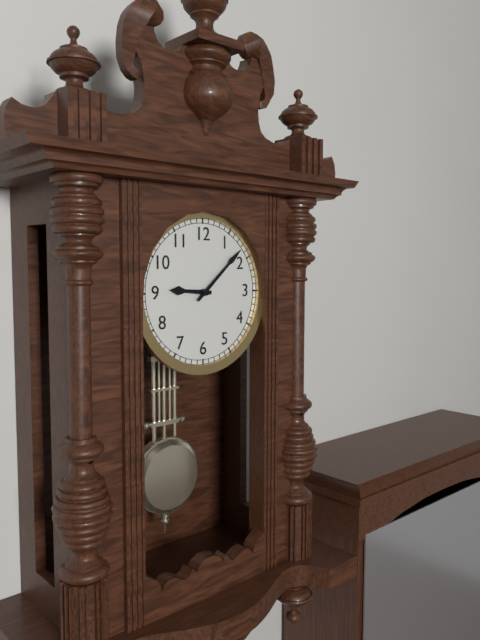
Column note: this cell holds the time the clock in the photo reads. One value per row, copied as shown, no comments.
9:08
